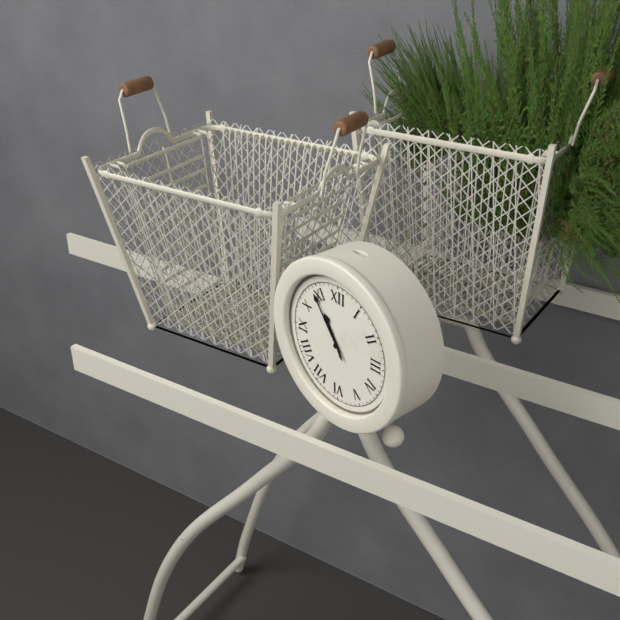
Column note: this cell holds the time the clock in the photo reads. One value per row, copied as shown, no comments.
10:54
